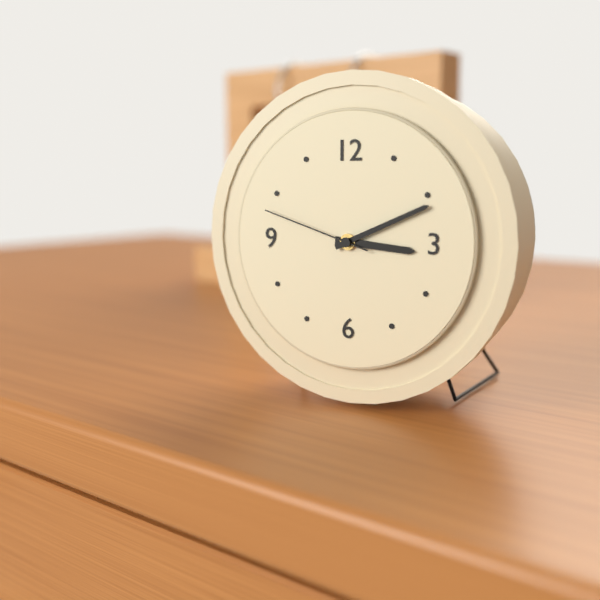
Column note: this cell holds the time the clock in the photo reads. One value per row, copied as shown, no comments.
3:11:48
